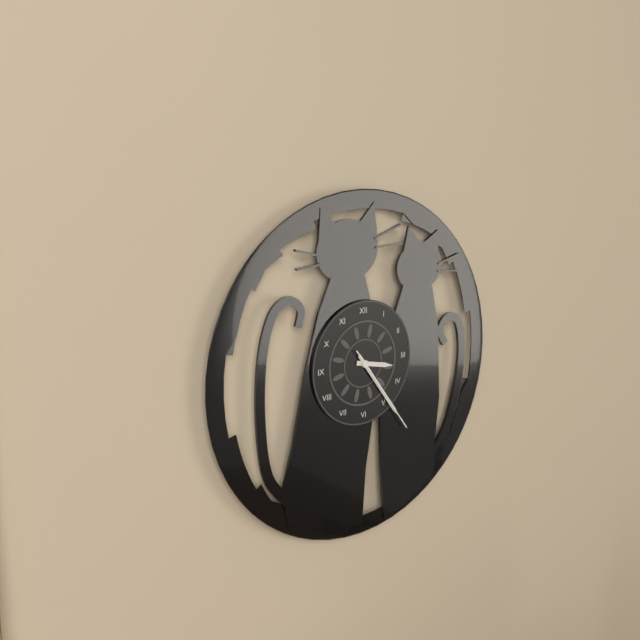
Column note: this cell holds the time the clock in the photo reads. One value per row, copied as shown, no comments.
3:24:24
